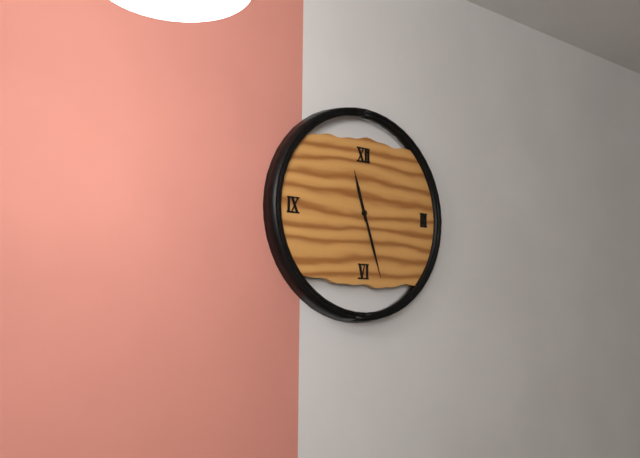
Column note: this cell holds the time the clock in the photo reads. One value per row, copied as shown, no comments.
11:27
